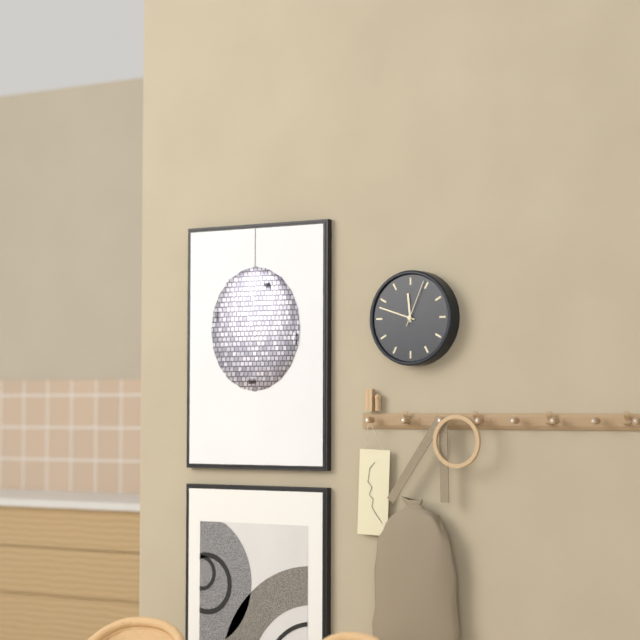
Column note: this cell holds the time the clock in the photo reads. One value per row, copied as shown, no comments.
11:48
